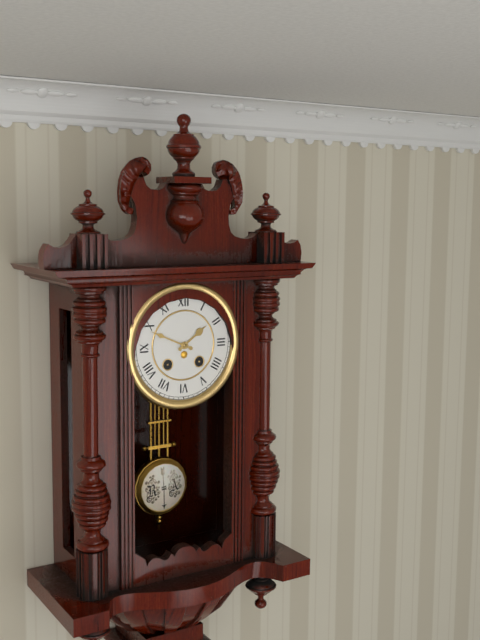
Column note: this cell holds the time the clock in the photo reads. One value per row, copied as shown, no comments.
1:49
